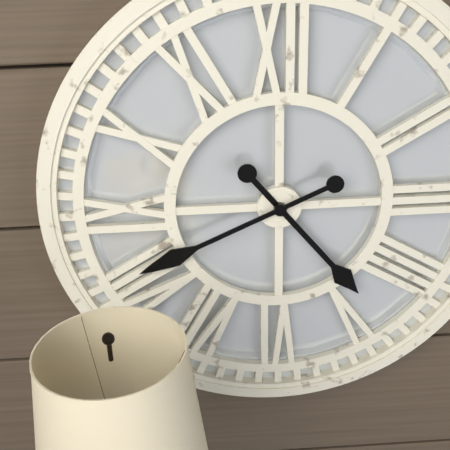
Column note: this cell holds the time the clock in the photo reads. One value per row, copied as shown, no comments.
4:41
